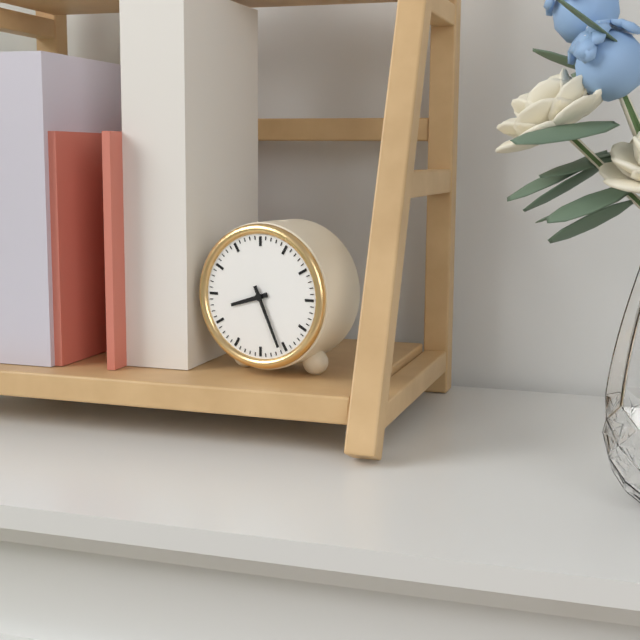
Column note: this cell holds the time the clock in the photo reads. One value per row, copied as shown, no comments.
8:26
